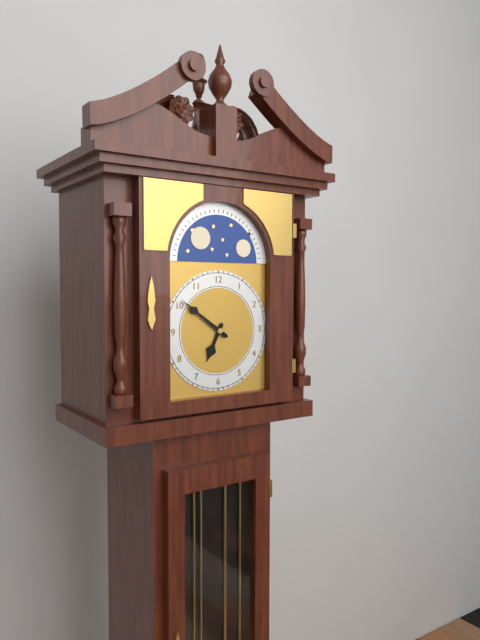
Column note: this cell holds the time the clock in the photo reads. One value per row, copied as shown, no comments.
6:51
